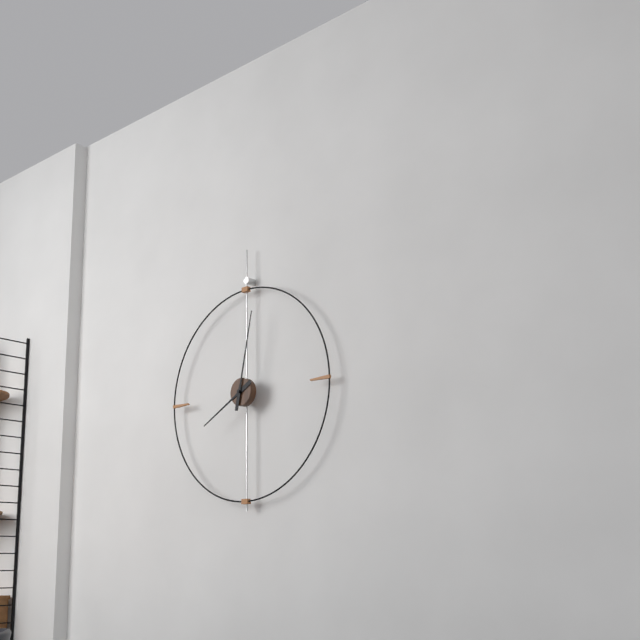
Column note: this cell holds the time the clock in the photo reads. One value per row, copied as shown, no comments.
8:02
